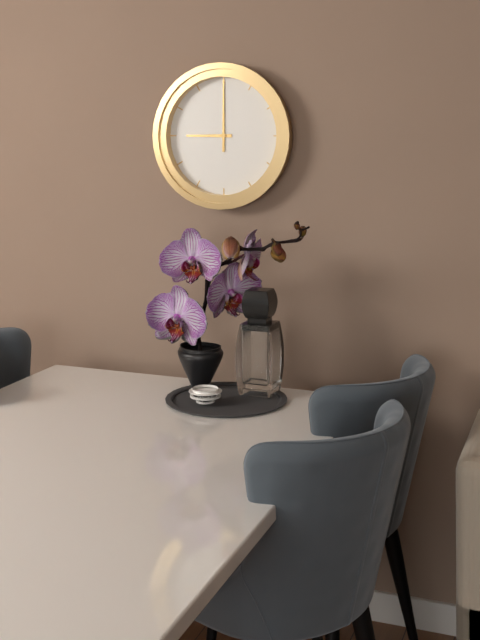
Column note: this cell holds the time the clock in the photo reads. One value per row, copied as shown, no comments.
9:00
